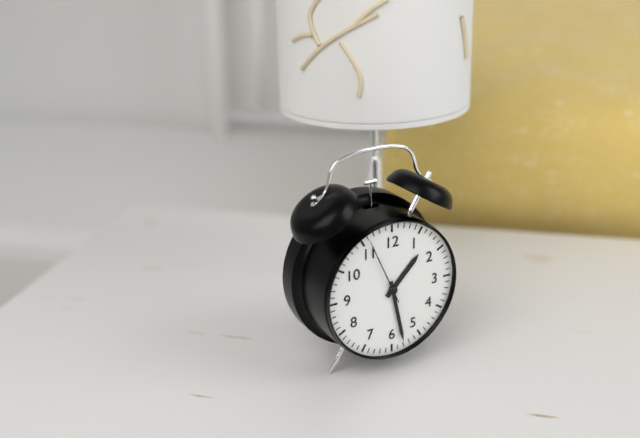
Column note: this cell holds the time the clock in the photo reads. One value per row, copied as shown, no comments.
1:28:56
